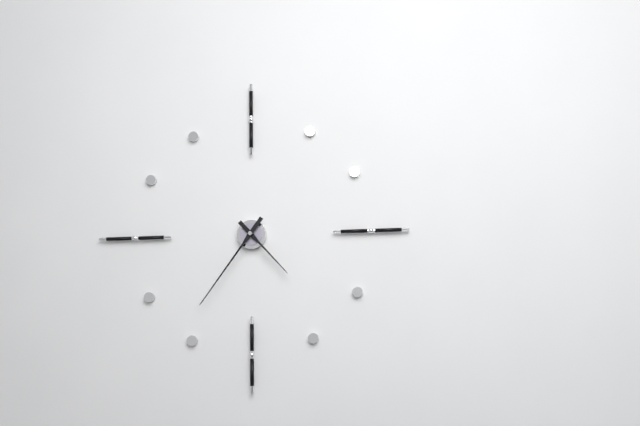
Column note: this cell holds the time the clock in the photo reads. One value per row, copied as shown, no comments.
4:36
